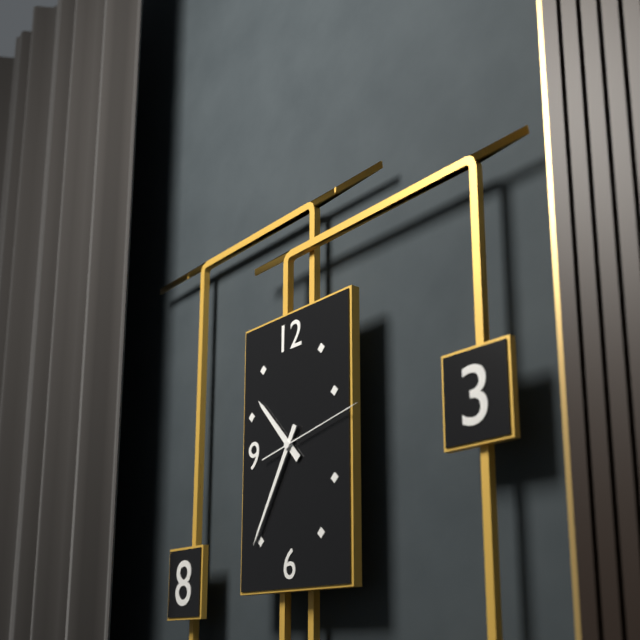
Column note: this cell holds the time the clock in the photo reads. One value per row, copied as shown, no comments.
10:35:13
